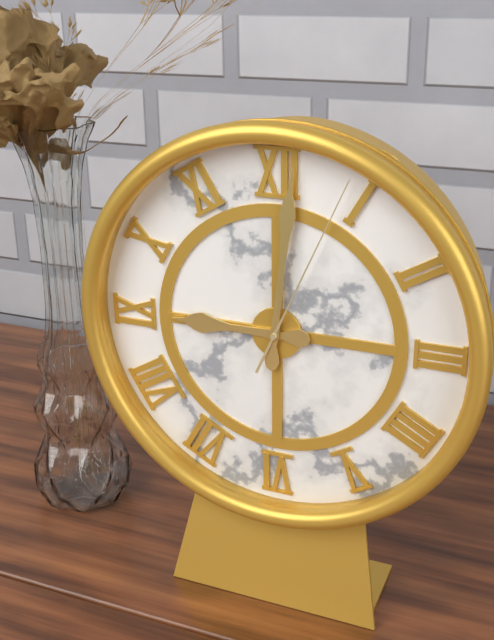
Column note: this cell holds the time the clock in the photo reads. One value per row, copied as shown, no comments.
9:01:04
